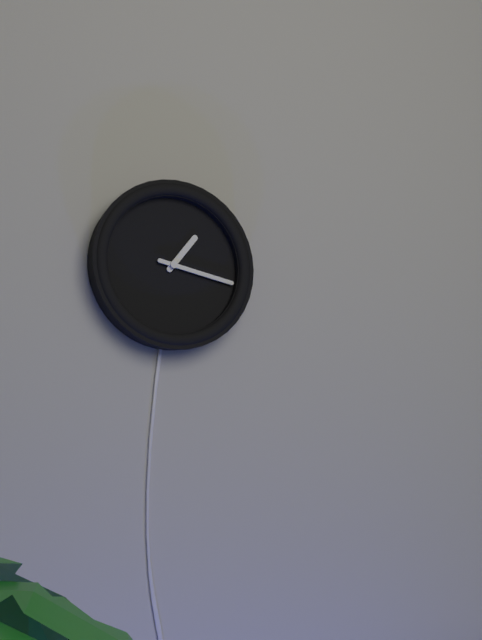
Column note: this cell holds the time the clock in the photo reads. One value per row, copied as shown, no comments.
1:17
